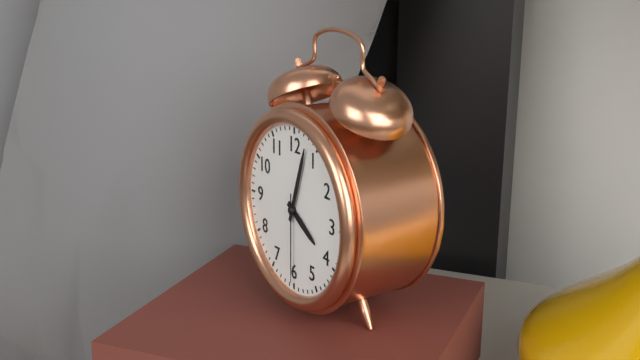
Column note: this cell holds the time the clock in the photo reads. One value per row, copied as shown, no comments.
4:03:30
